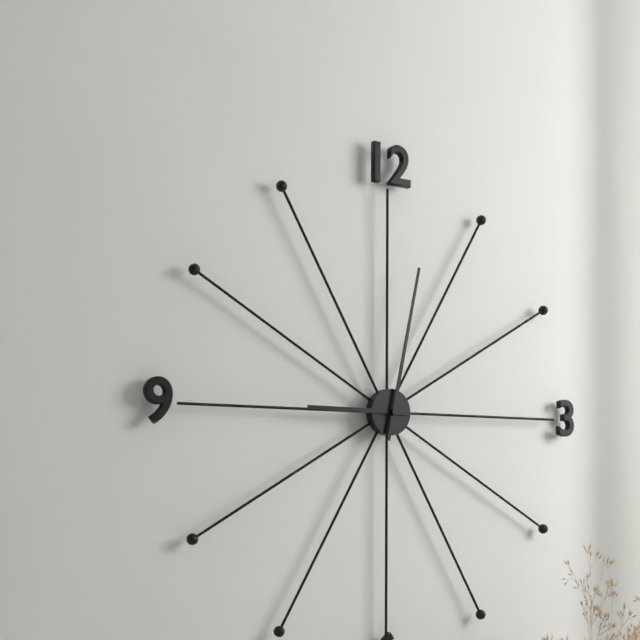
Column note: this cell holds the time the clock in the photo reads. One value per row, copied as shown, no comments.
9:02
